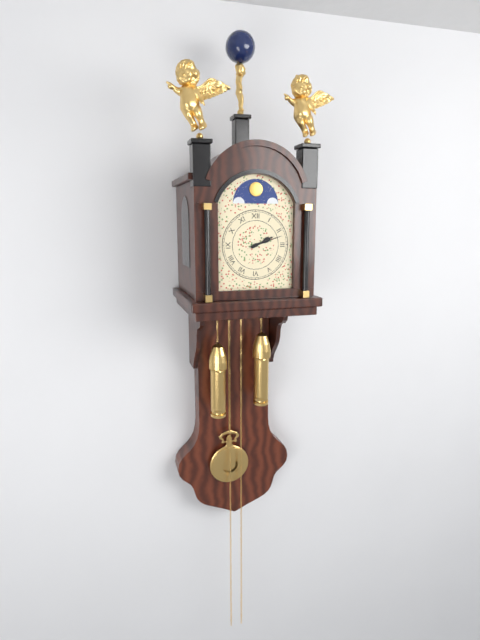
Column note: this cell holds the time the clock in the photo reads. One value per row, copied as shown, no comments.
2:12
